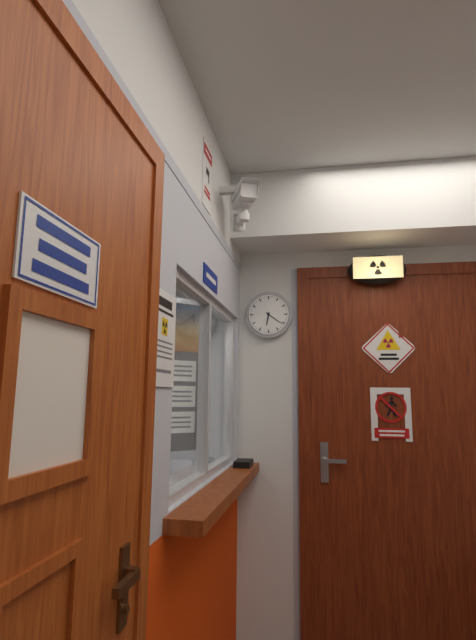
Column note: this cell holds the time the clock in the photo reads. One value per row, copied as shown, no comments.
6:21
